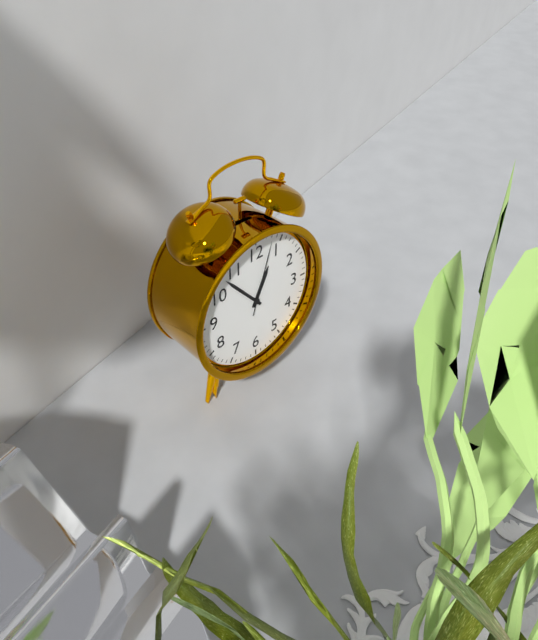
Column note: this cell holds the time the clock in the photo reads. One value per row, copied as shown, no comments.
12:53:03
